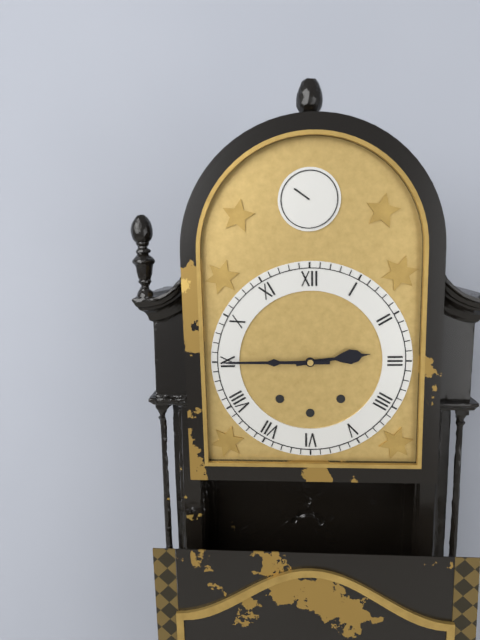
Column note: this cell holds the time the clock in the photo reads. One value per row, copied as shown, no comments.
2:45
